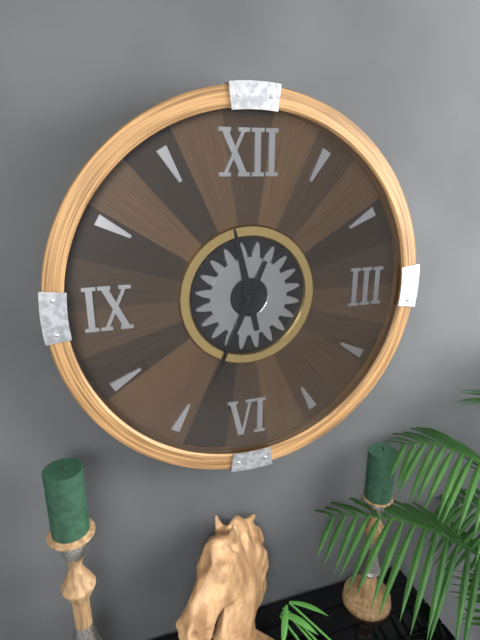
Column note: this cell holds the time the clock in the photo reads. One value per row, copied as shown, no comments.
11:34
